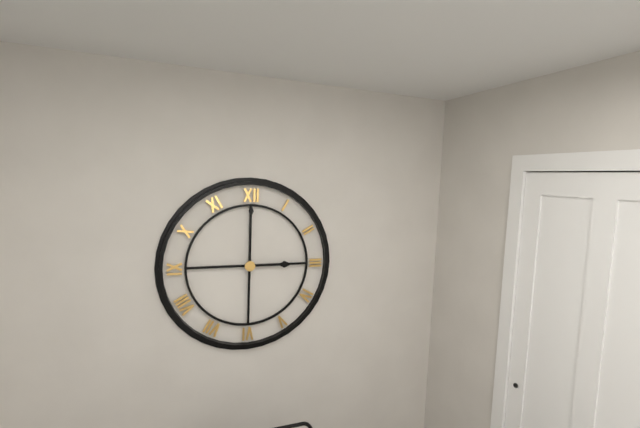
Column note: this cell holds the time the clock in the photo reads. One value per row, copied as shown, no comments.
3:00
